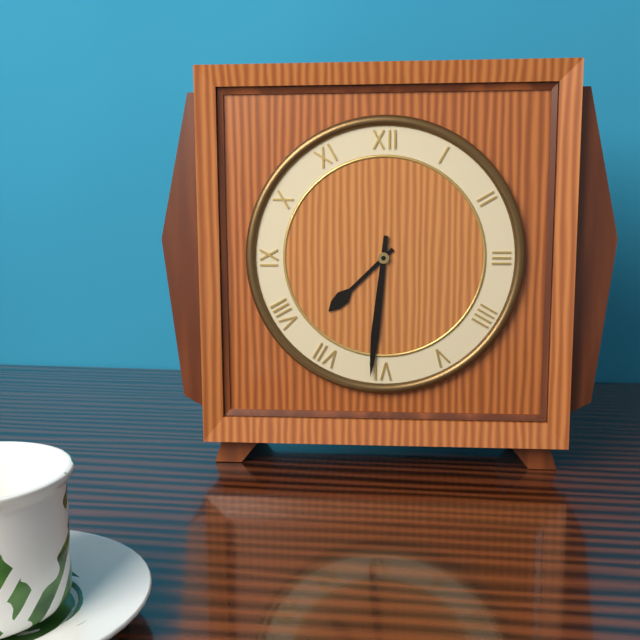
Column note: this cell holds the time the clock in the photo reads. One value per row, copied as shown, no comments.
7:31
